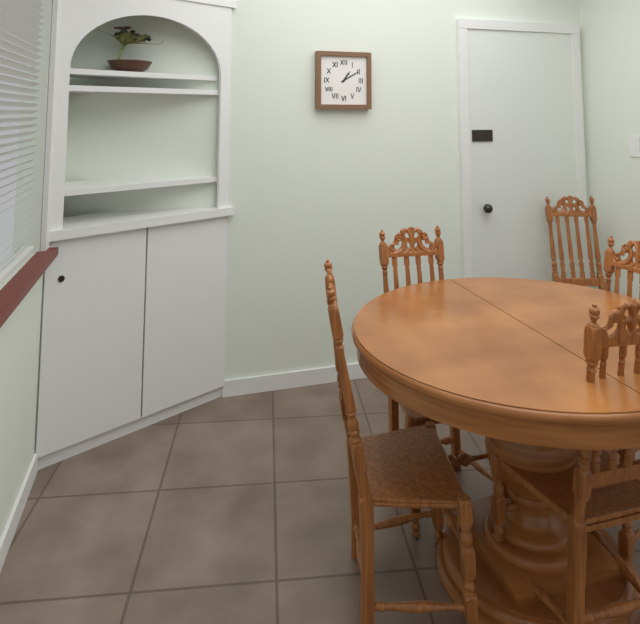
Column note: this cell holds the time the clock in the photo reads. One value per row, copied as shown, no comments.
1:10
